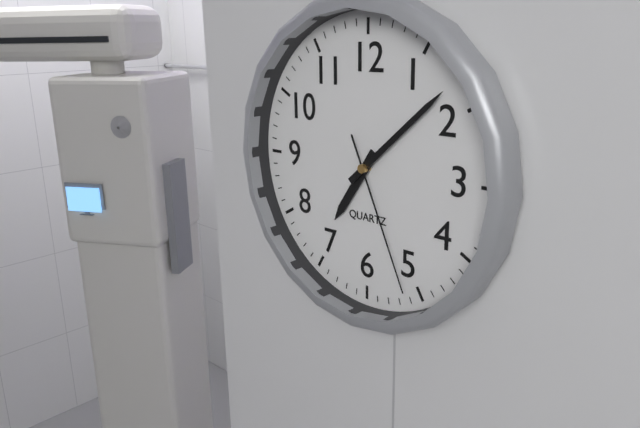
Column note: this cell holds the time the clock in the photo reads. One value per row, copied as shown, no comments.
7:08:26
